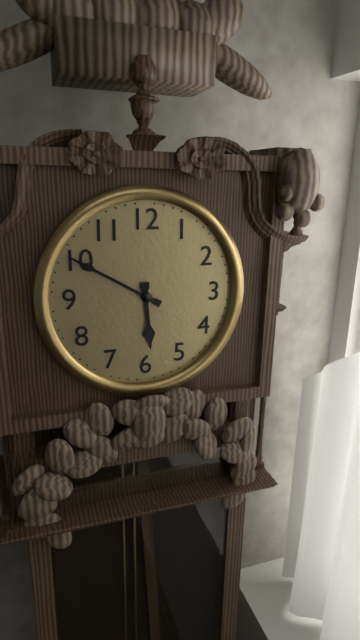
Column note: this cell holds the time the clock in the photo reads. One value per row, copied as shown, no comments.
5:50
